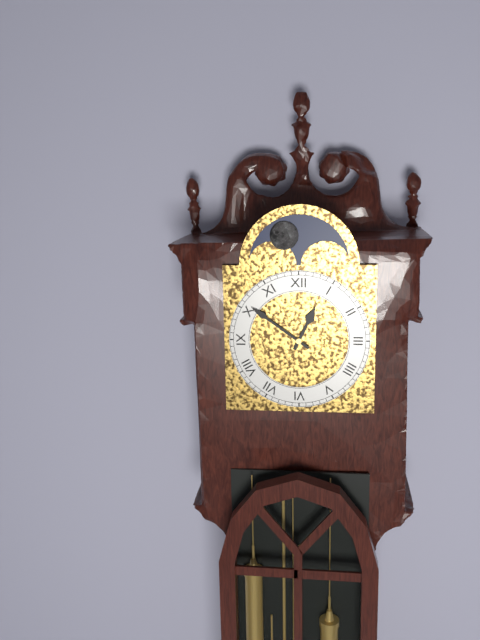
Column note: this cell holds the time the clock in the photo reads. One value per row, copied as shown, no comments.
12:51
